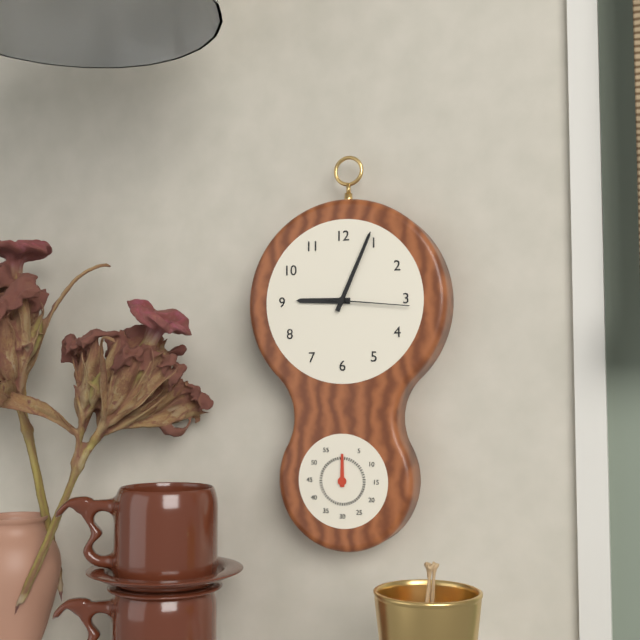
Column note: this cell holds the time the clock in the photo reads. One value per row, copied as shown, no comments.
9:04:16
